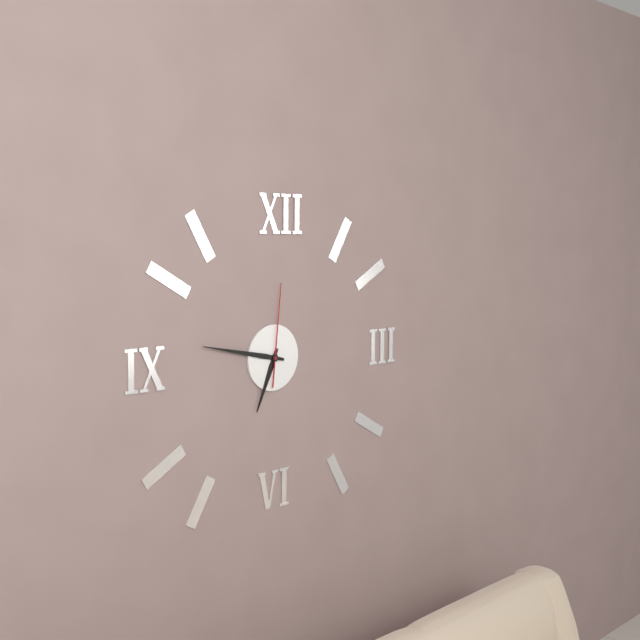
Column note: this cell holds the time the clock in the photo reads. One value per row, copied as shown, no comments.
6:47:01
